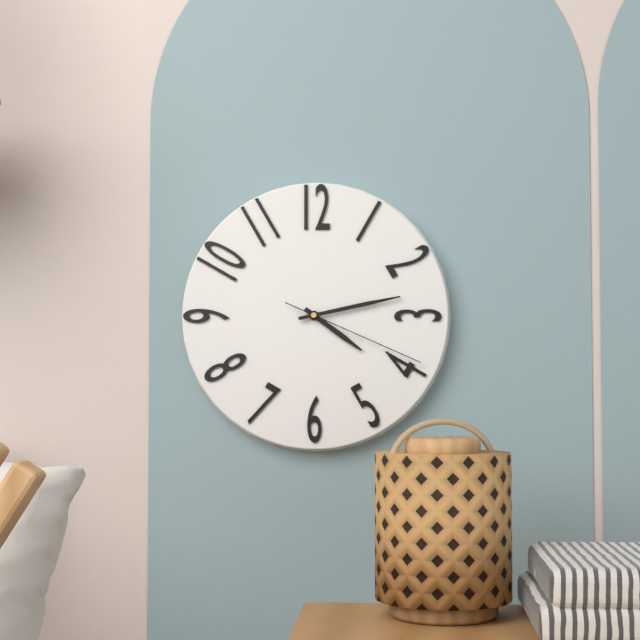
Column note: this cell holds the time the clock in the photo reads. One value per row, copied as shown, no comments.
4:13:19
